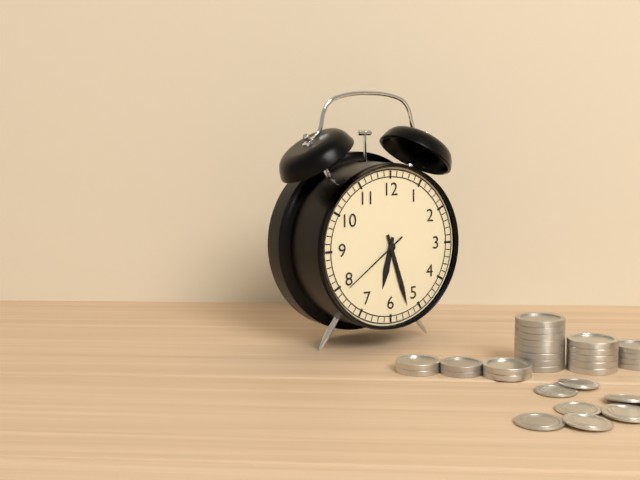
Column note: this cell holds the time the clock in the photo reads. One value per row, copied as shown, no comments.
6:27:39
